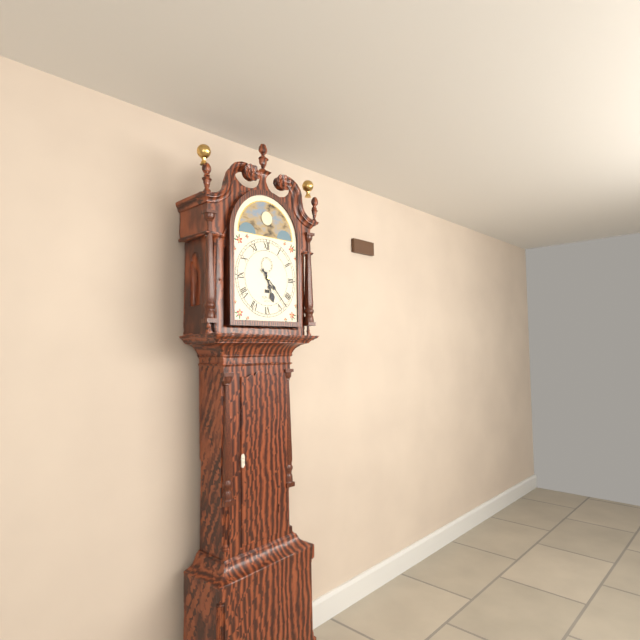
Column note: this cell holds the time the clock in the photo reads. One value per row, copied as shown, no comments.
5:23
